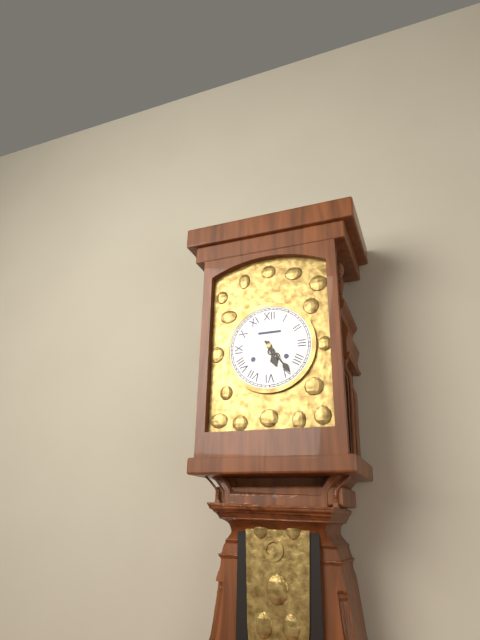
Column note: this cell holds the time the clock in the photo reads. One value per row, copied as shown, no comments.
5:24
